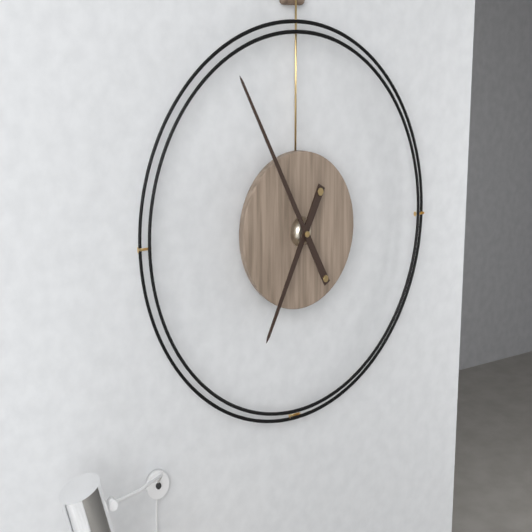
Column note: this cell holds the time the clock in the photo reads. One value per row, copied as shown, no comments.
6:55
